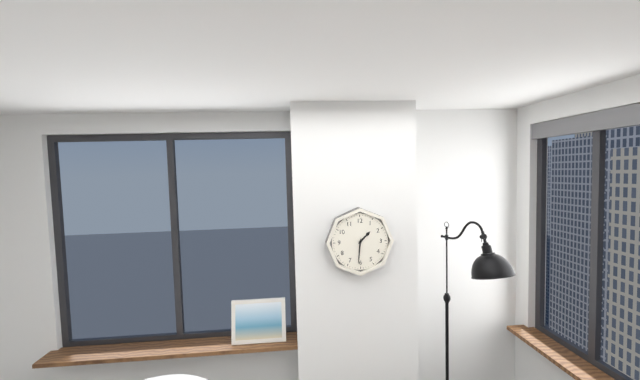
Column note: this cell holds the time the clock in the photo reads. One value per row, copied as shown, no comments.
1:31
